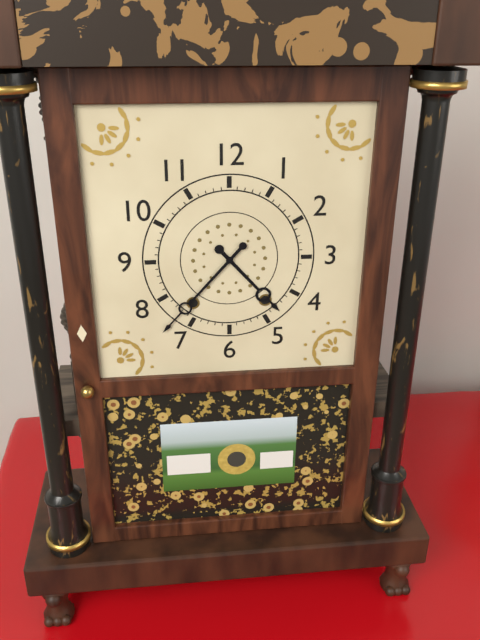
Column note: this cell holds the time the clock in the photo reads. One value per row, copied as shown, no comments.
4:37
